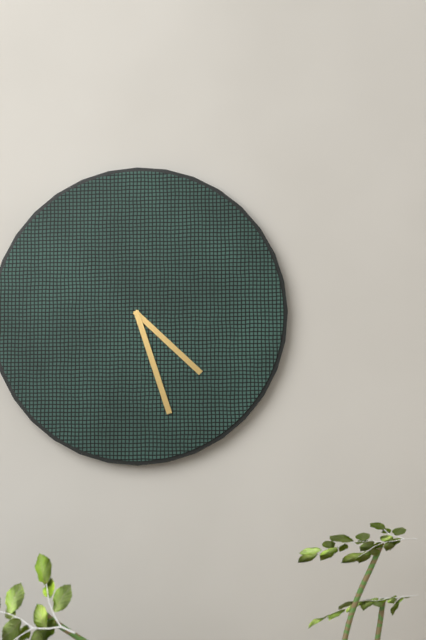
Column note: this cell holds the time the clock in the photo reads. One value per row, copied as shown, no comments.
4:27
